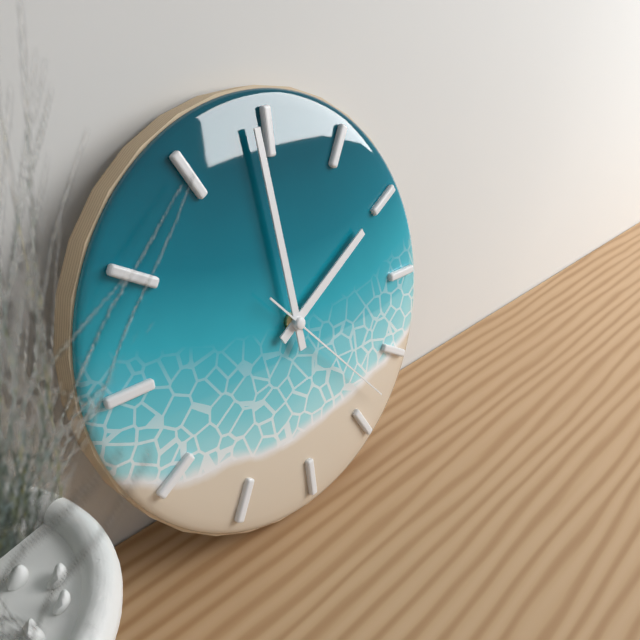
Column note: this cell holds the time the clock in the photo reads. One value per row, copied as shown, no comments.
1:59:23
